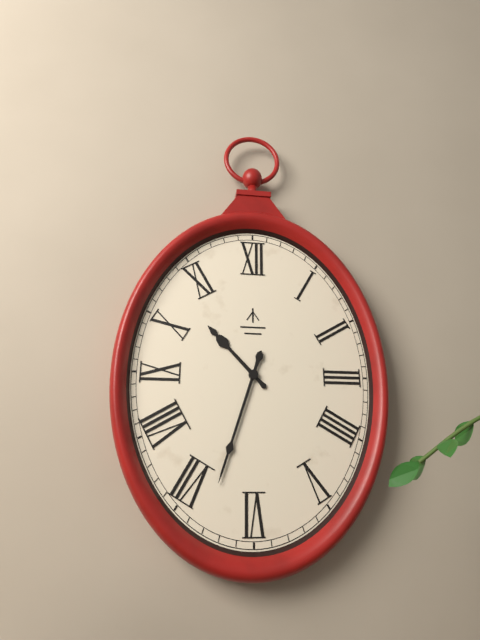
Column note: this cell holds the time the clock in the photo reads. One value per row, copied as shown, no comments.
10:33
